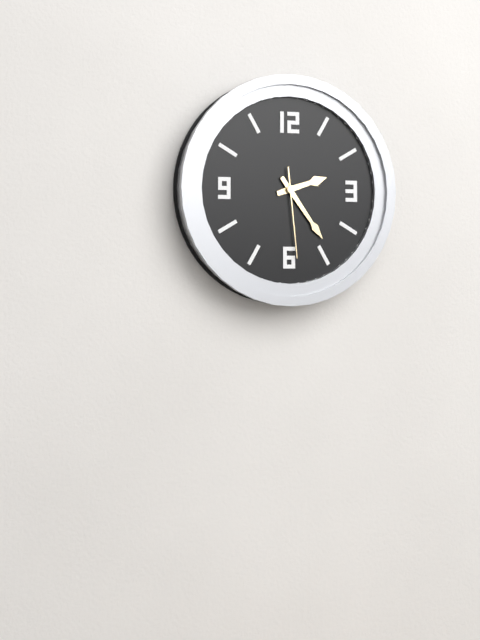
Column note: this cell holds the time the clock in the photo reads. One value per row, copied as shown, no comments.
2:24:29
